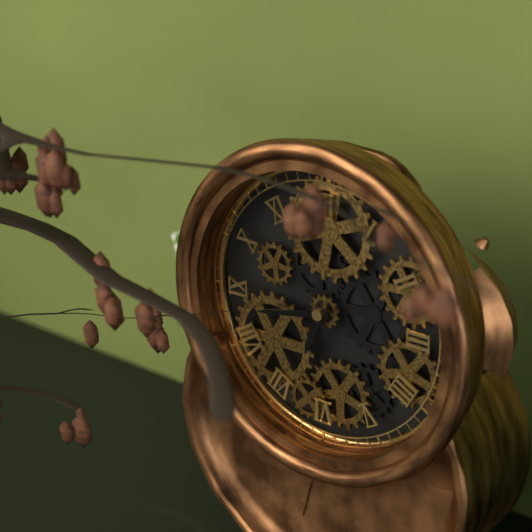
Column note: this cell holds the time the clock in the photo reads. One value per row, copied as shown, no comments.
6:43
